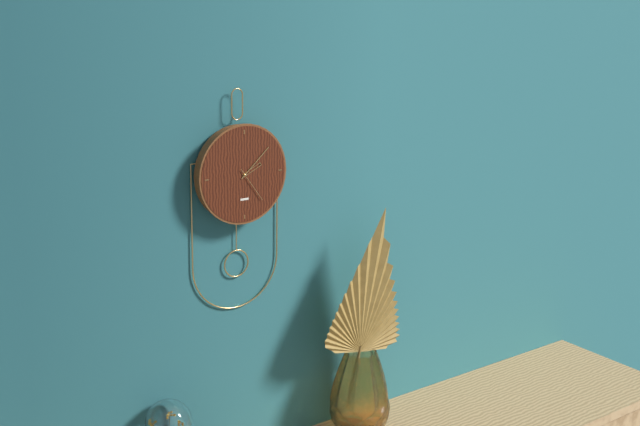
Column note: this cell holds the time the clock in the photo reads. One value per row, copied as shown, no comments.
2:08
